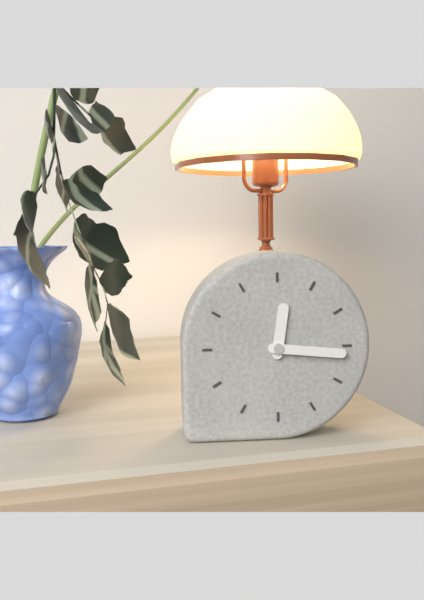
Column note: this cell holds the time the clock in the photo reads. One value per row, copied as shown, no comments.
12:16
